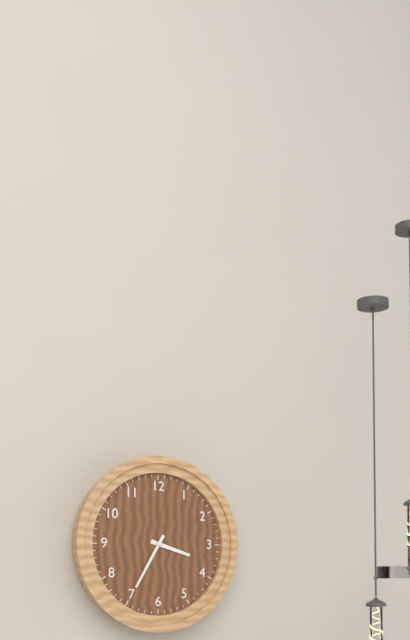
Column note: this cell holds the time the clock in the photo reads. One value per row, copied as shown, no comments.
3:35
